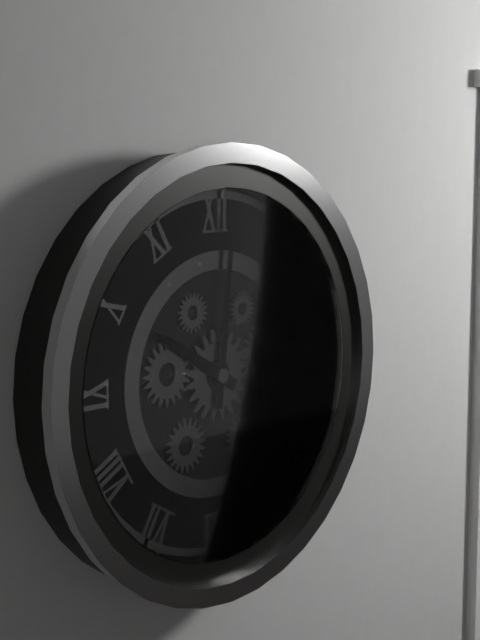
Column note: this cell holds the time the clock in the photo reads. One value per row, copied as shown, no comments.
10:01
